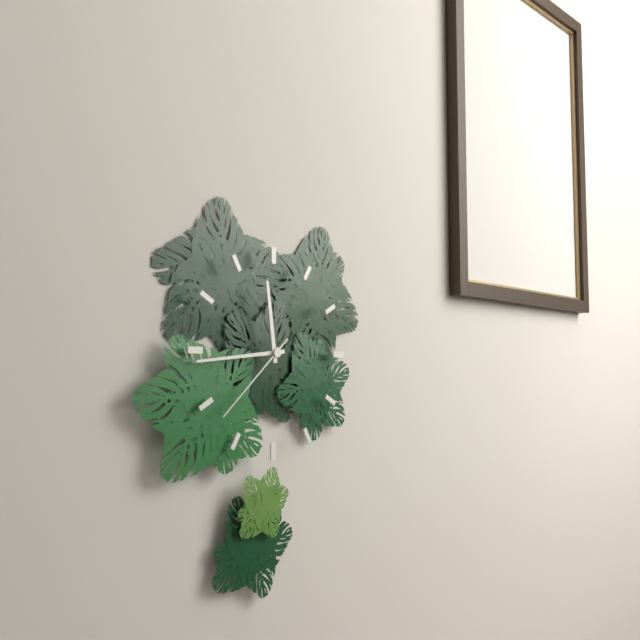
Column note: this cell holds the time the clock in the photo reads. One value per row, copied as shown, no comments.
11:44:38
